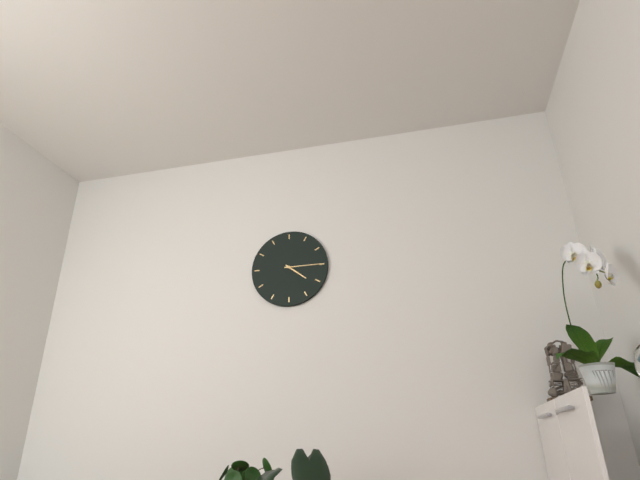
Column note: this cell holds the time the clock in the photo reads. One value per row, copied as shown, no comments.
4:15
